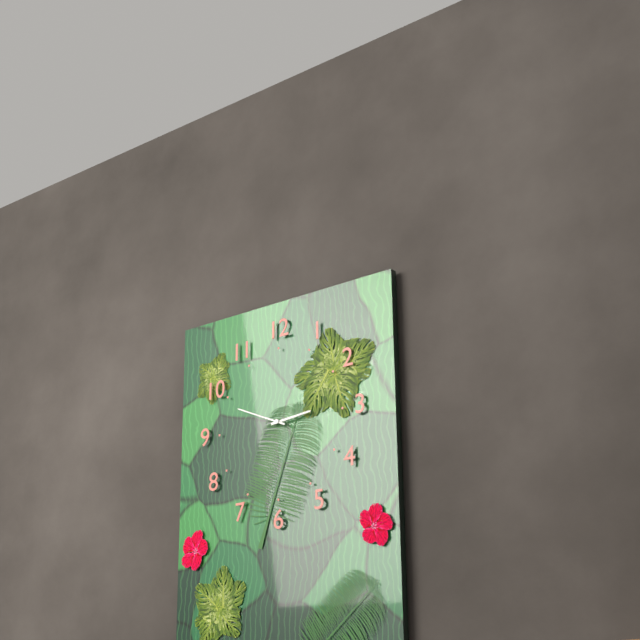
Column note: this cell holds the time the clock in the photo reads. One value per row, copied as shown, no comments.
2:49
